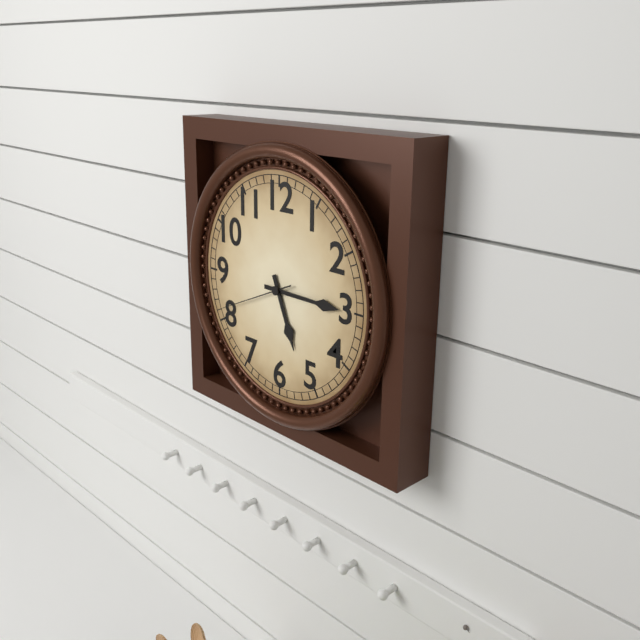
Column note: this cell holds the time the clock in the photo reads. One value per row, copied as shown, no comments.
5:15:41
